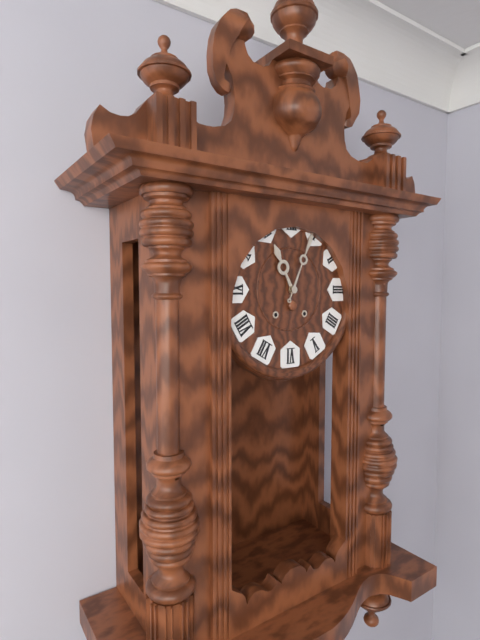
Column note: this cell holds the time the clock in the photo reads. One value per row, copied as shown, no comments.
11:04
